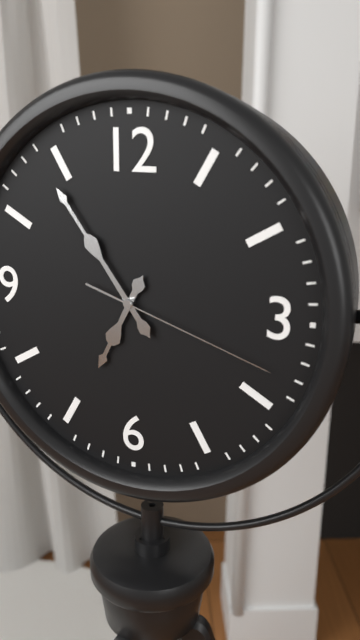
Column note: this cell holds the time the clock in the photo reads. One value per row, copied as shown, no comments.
6:54:18
